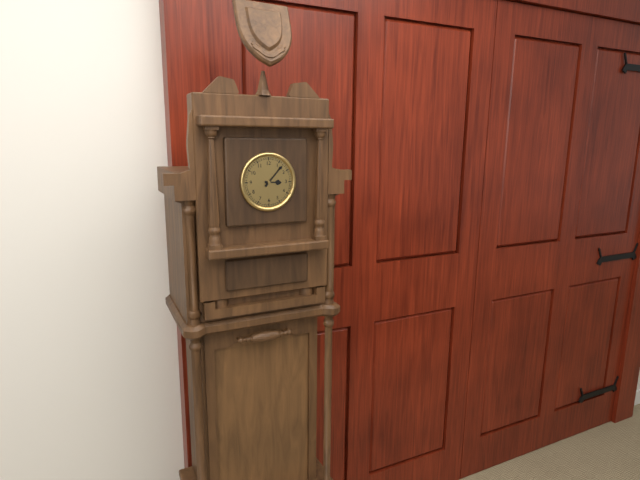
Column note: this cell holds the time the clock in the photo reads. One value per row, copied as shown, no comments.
3:07
